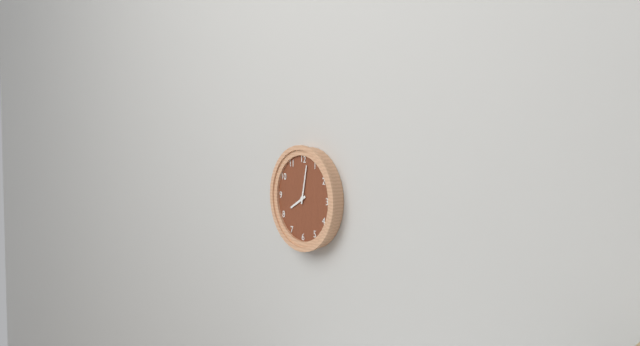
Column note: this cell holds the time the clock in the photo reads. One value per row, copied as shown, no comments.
8:02
